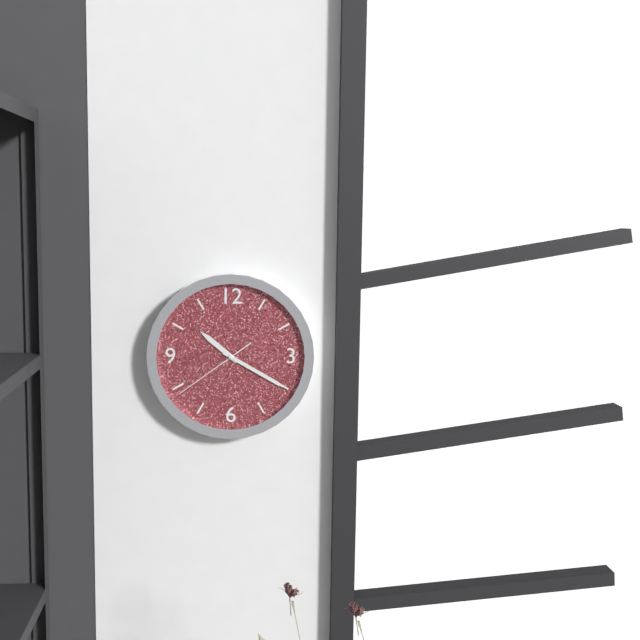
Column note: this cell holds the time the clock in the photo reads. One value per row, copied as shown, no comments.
10:20:39
